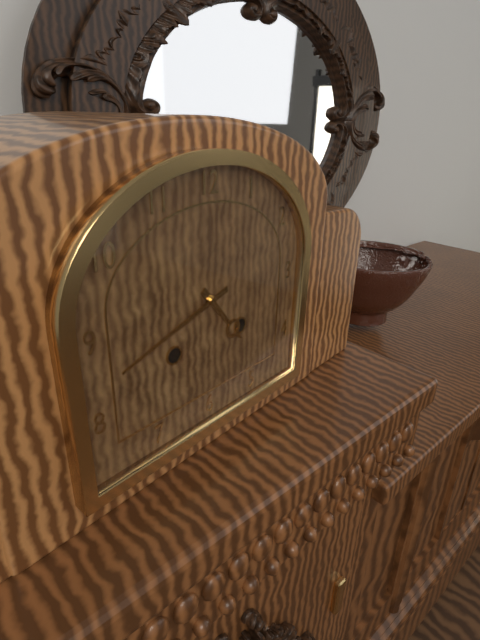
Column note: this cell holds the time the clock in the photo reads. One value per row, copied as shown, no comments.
4:42
